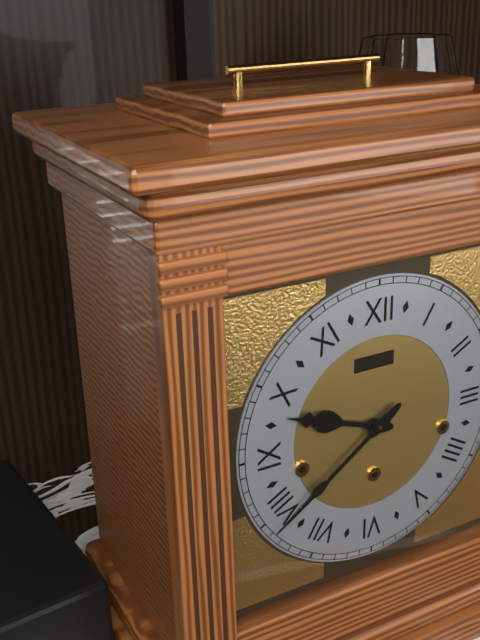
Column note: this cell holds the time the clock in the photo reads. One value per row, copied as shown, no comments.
9:39
